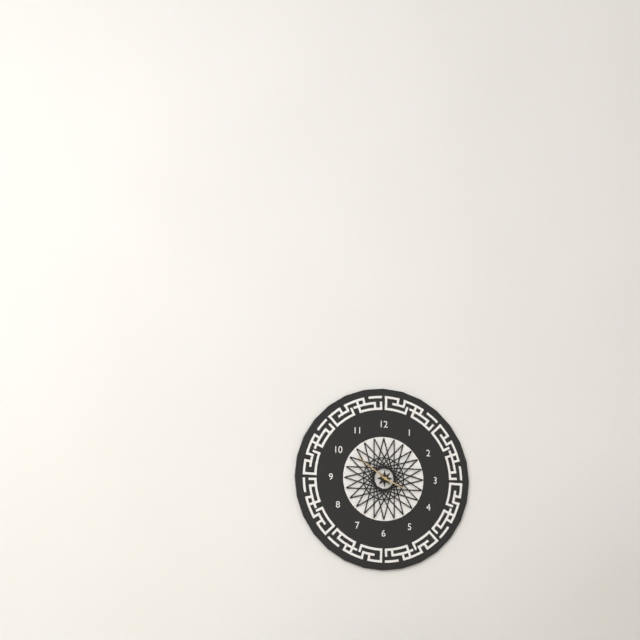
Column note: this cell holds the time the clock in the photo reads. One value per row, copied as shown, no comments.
3:51
